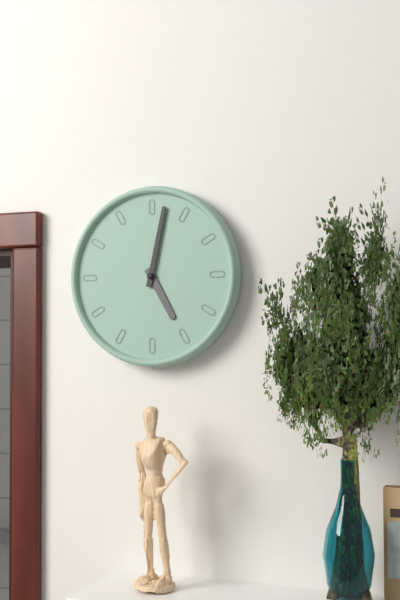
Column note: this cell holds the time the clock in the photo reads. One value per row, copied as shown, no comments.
5:02
